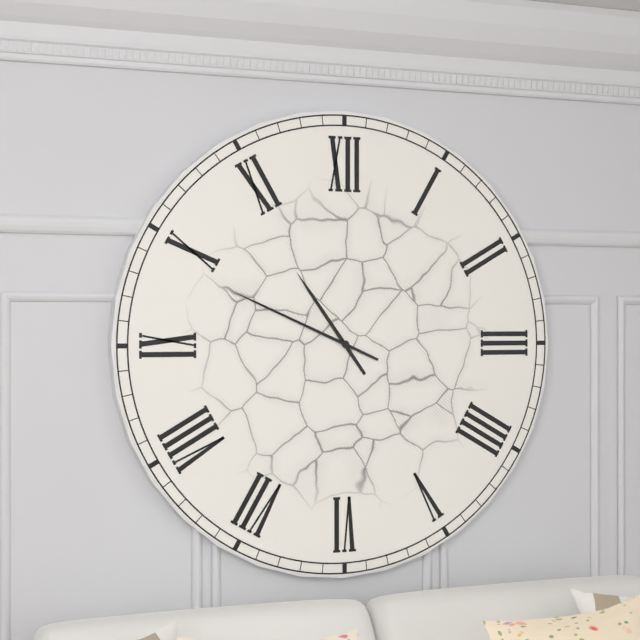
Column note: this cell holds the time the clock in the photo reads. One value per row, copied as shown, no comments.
10:49
